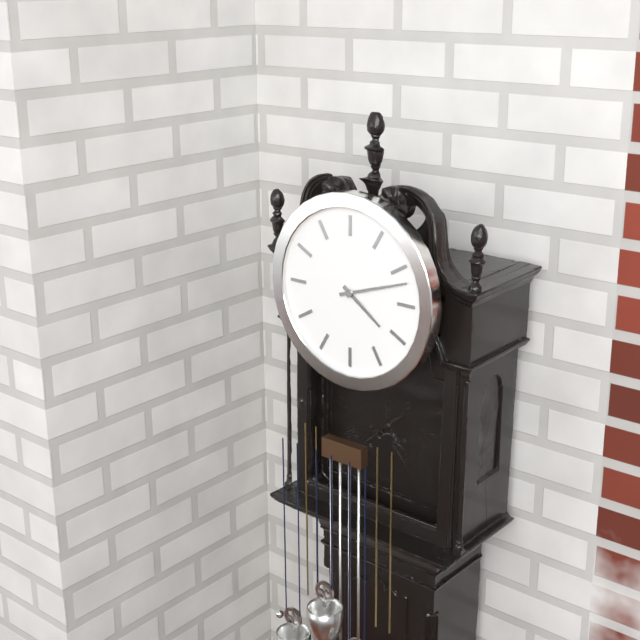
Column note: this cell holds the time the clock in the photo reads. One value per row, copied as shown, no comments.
4:12
